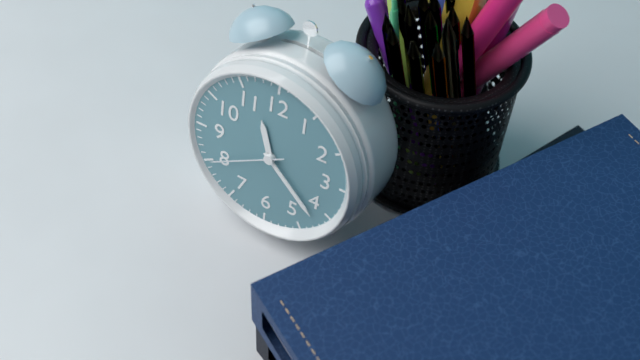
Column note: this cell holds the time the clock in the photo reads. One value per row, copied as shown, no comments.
11:22:40
